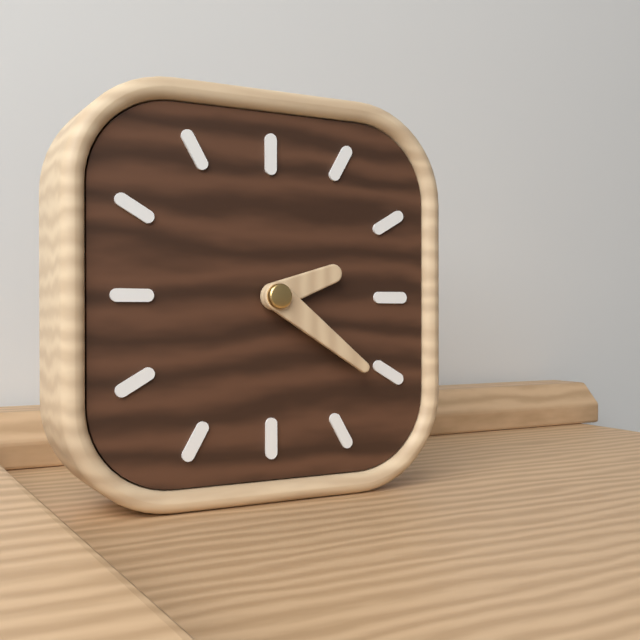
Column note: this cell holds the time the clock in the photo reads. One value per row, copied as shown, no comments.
2:21
